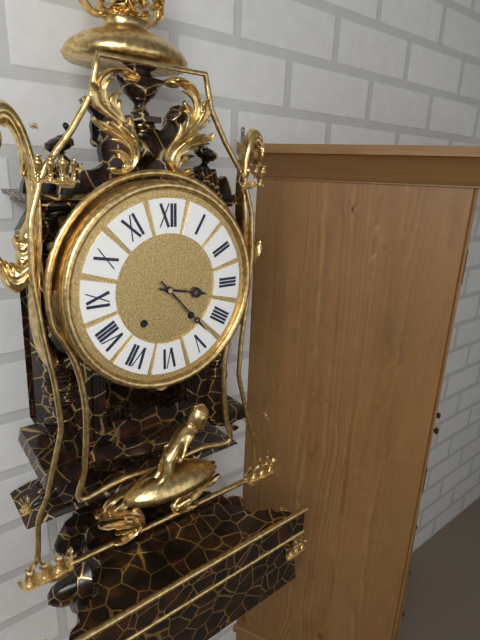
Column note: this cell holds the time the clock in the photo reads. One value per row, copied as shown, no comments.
3:23
